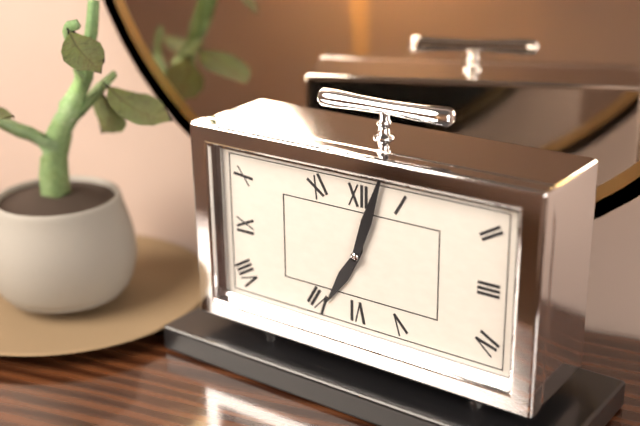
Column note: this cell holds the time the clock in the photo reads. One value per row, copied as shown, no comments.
7:03
